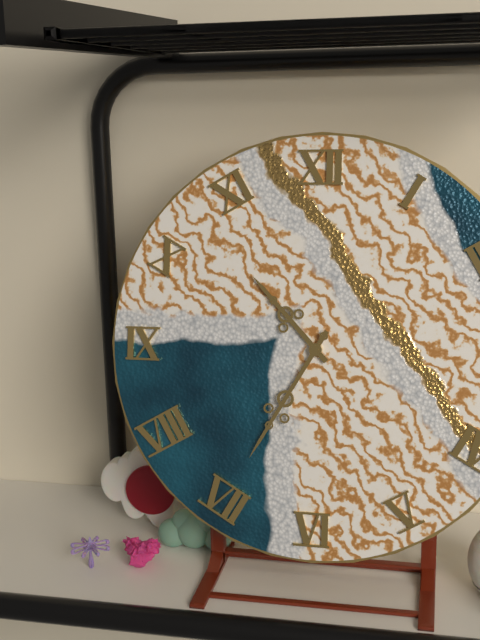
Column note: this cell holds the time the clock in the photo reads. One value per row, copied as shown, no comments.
10:35
